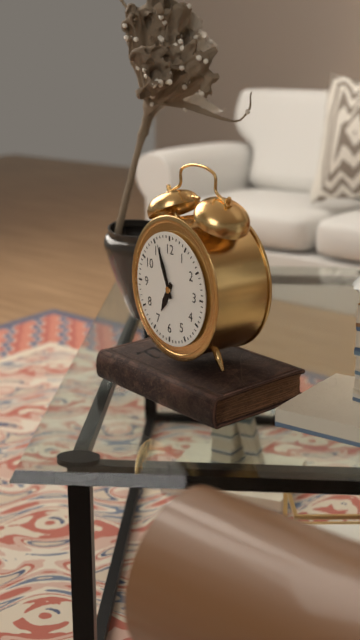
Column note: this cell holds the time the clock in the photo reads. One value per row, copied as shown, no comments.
6:56
